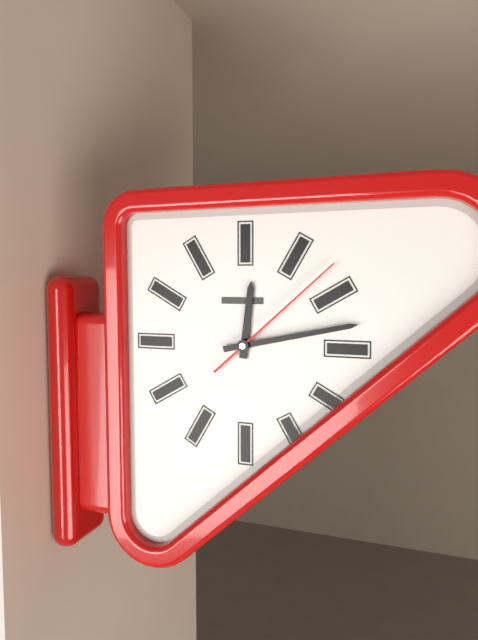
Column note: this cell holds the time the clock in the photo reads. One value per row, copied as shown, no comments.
12:13:08
